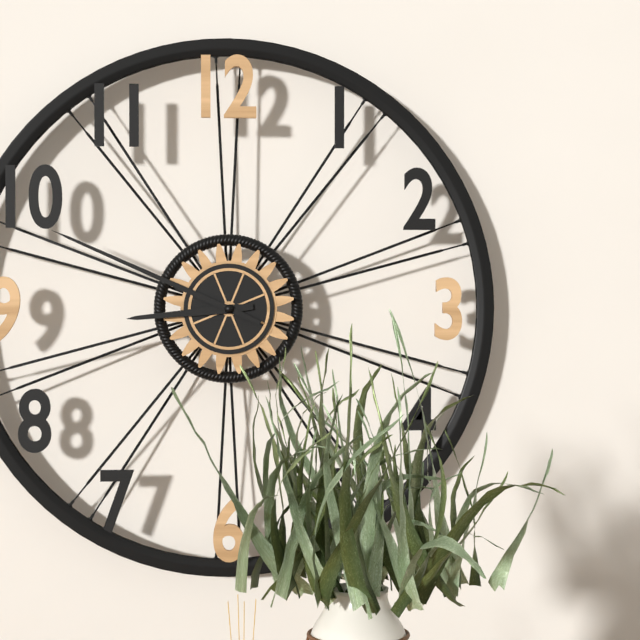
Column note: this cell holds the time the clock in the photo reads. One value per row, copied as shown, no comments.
8:49
